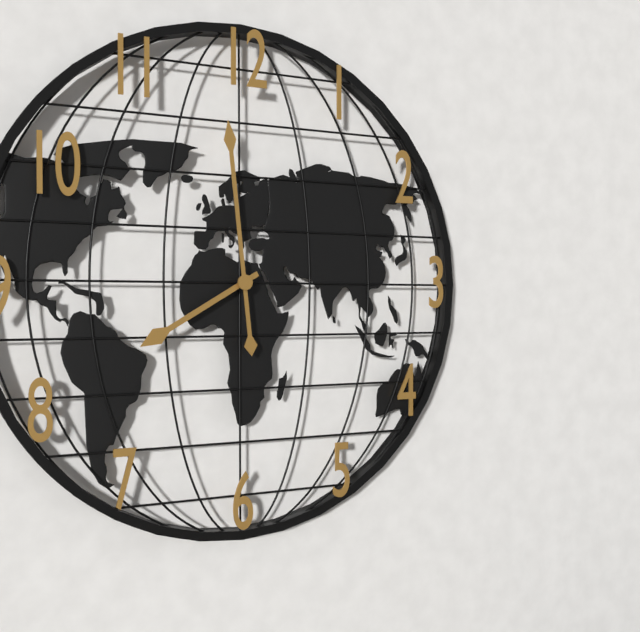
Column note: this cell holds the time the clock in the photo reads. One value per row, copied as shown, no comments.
7:59
